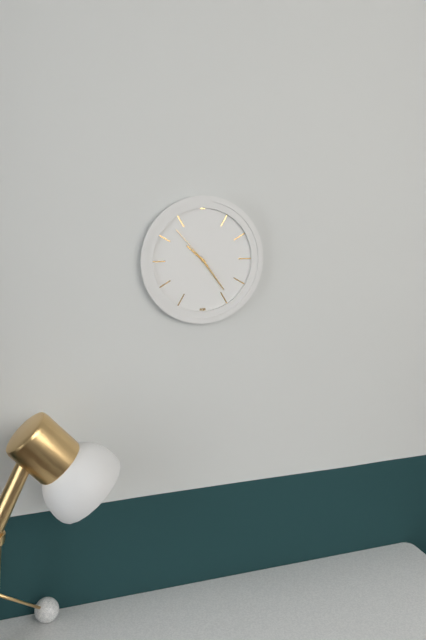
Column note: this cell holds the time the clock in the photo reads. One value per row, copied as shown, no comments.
10:24:53
